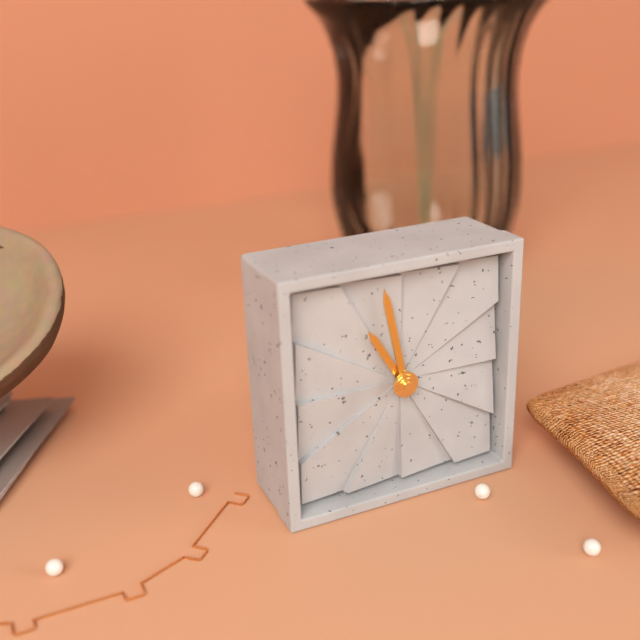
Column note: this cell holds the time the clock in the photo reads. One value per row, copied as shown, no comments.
10:58
